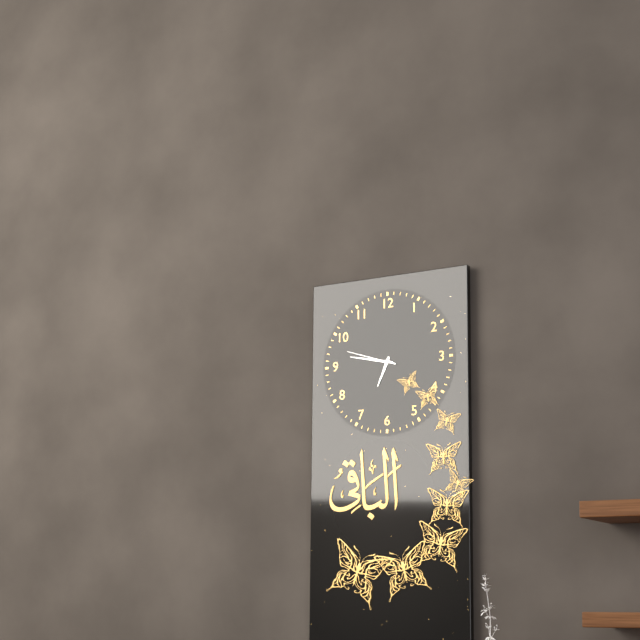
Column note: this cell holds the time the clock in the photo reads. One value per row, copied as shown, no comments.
6:47:48
